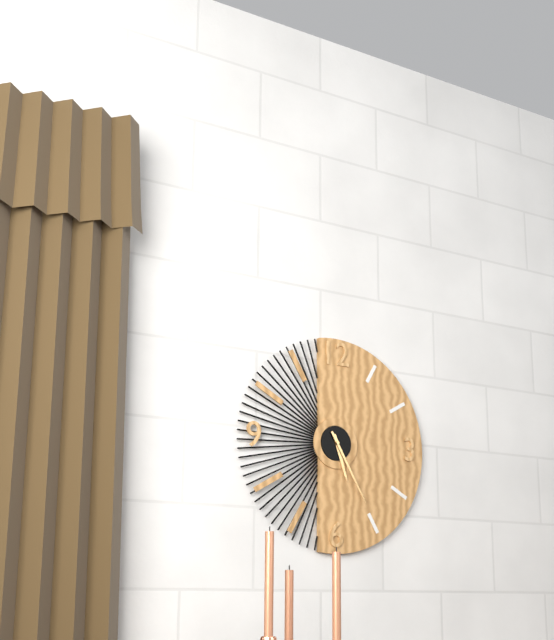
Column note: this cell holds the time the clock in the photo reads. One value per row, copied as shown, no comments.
5:25
